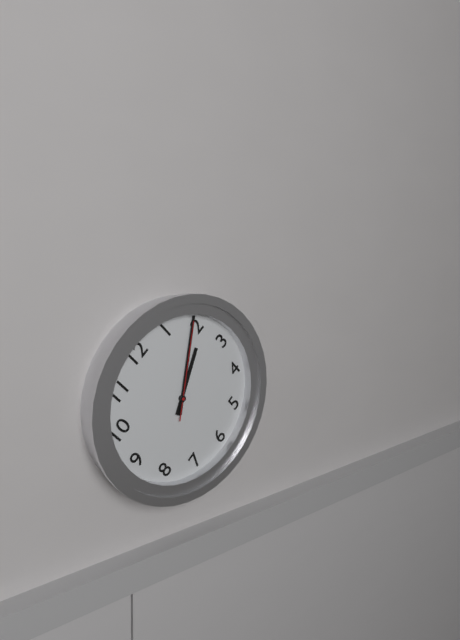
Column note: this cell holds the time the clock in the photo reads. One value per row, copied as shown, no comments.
2:09:09
